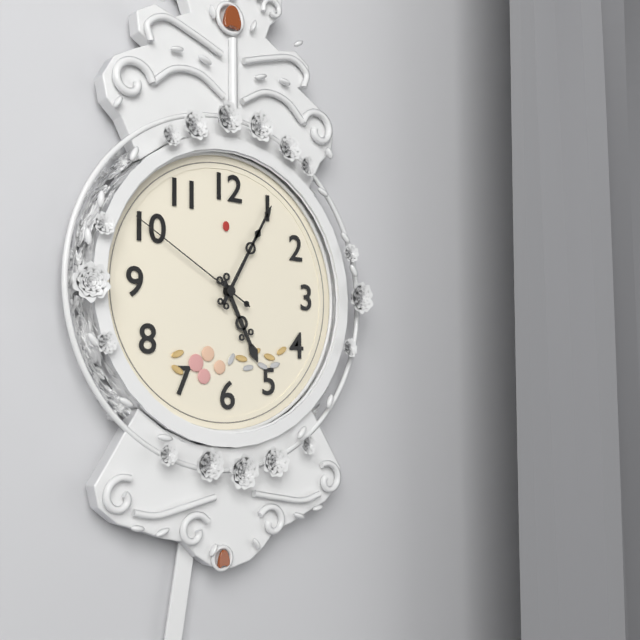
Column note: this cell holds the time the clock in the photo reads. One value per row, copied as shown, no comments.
5:05:50
